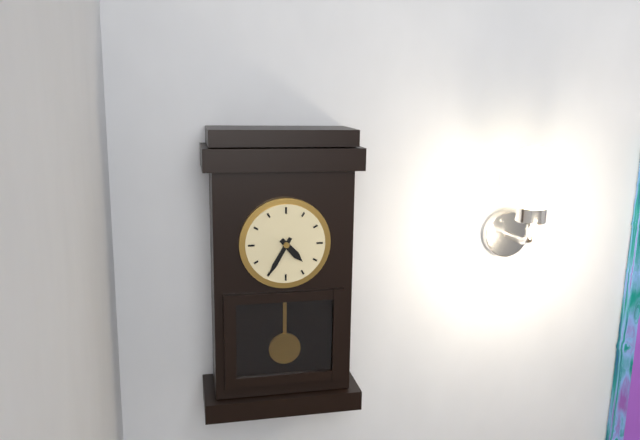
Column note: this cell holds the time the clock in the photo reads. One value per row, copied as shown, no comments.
4:35
